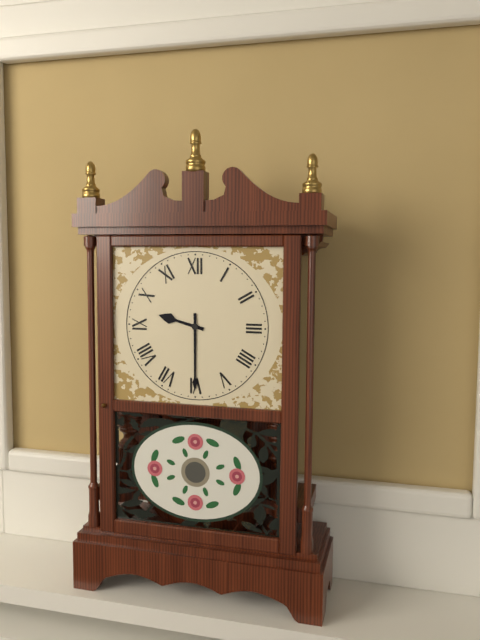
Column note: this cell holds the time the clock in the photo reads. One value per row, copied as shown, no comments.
9:30
